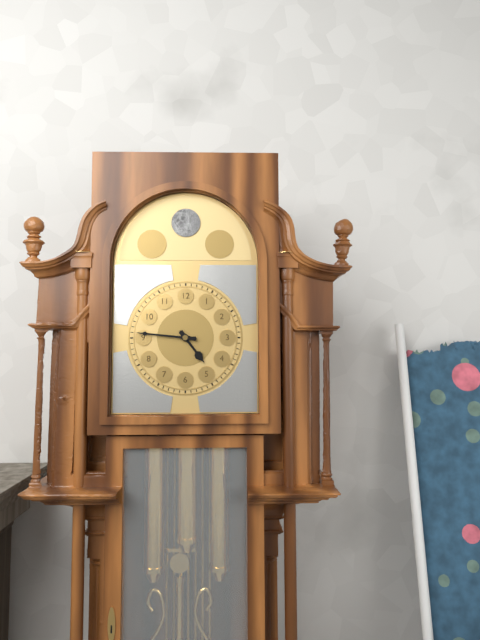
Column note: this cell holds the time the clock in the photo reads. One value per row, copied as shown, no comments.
4:46
